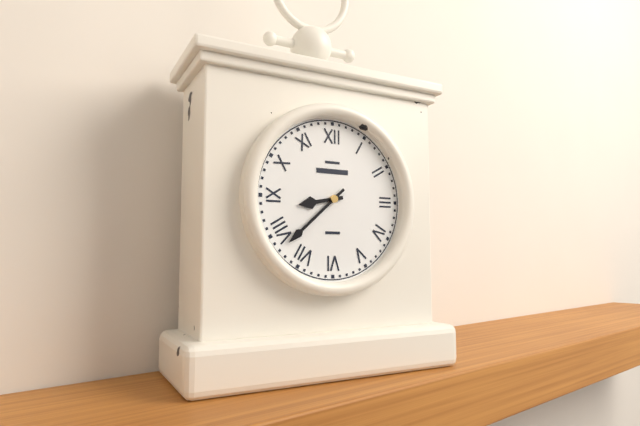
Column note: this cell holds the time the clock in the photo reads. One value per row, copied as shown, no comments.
8:38
